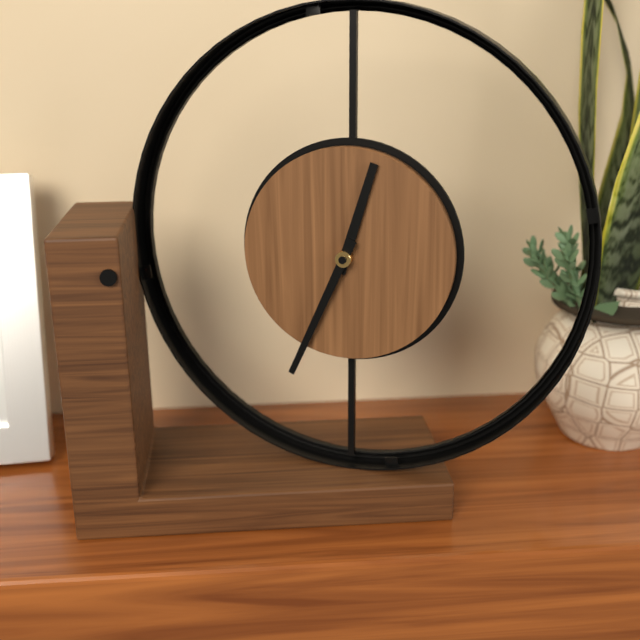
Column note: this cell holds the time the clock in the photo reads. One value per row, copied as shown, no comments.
12:34
